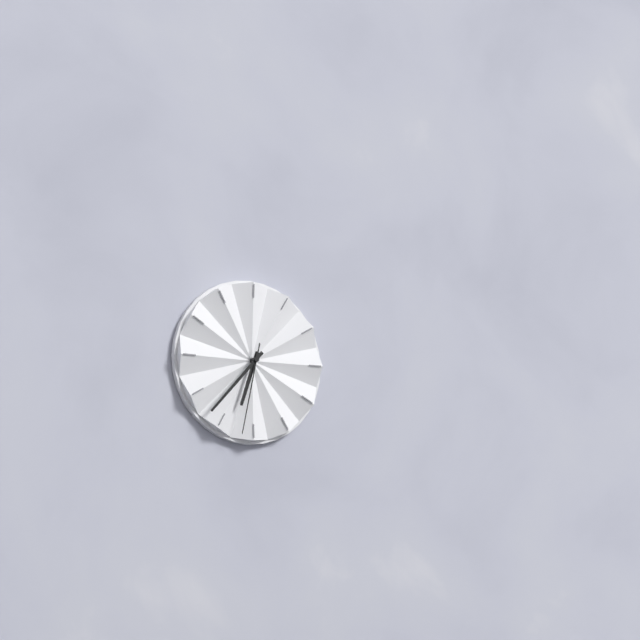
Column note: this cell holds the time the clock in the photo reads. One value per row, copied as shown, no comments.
6:37:32
